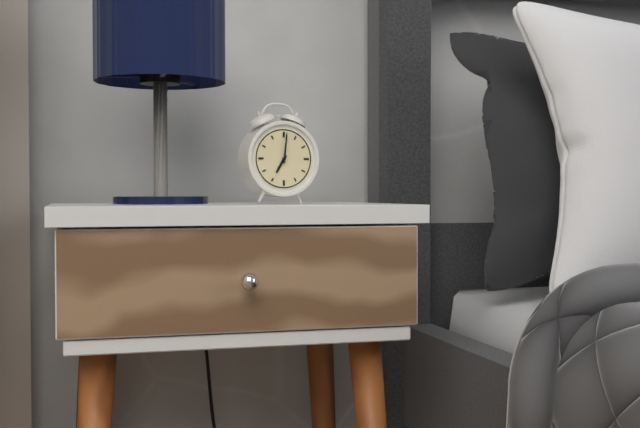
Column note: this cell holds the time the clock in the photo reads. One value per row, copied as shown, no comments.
7:01
